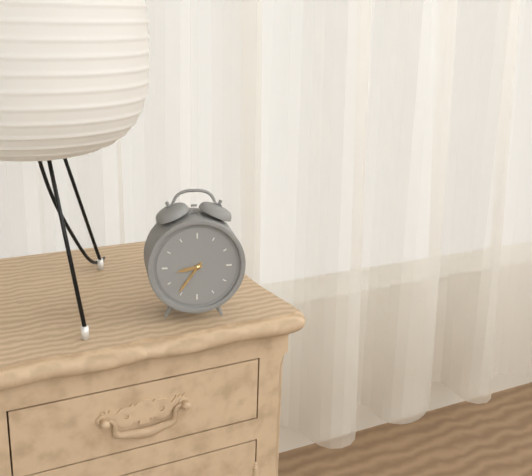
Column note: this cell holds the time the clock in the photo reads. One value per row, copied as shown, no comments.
8:36
